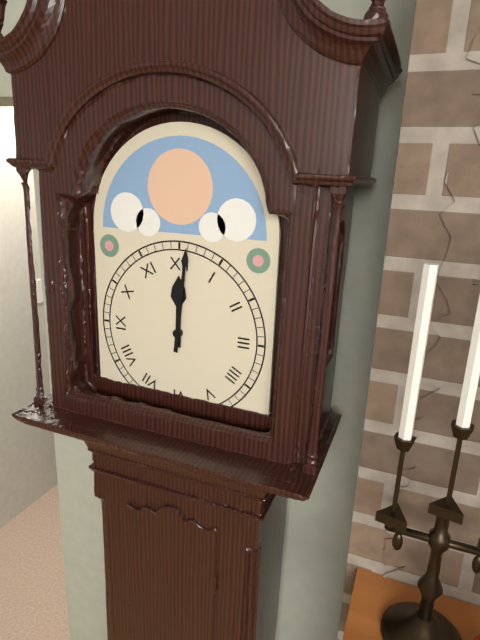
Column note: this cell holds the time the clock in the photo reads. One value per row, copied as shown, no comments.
12:01
